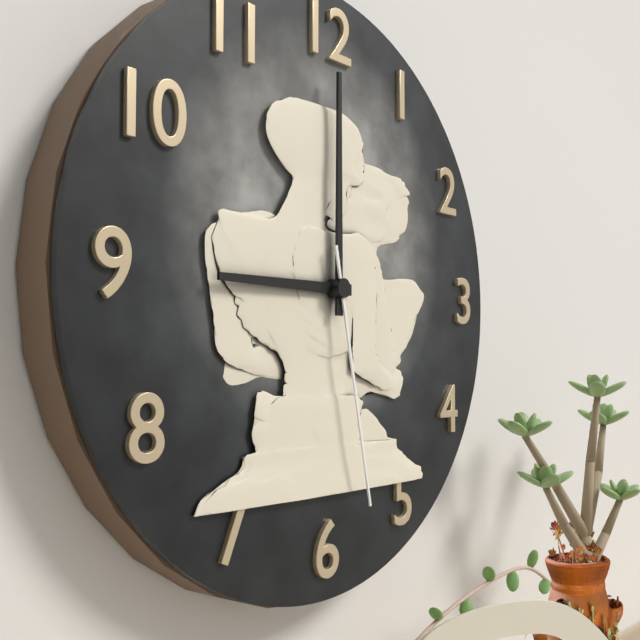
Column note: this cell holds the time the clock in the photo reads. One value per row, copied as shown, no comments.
9:00:28
